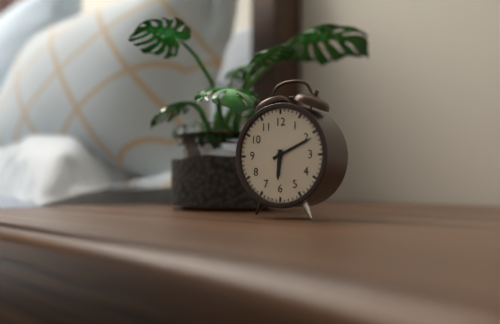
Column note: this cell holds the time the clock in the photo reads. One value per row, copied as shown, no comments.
6:11
